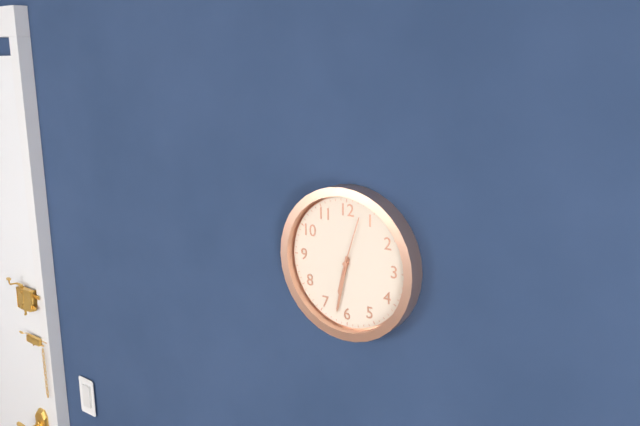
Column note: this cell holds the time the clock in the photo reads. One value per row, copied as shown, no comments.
6:32:03
